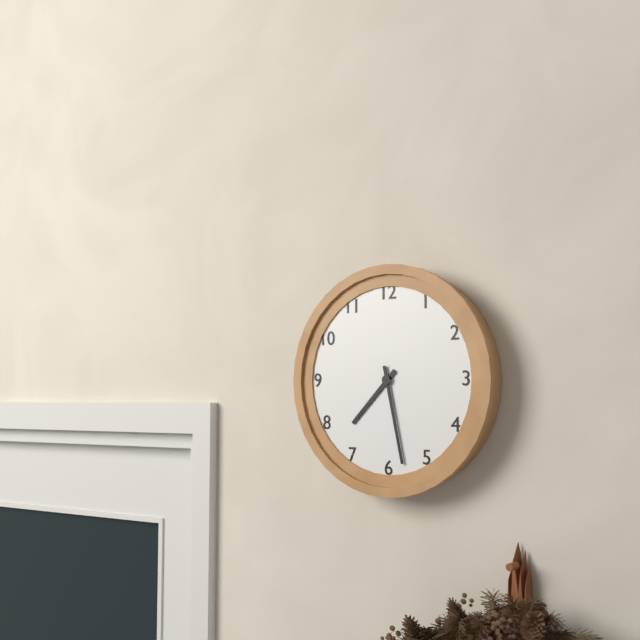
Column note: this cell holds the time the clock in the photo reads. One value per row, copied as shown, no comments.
7:28
